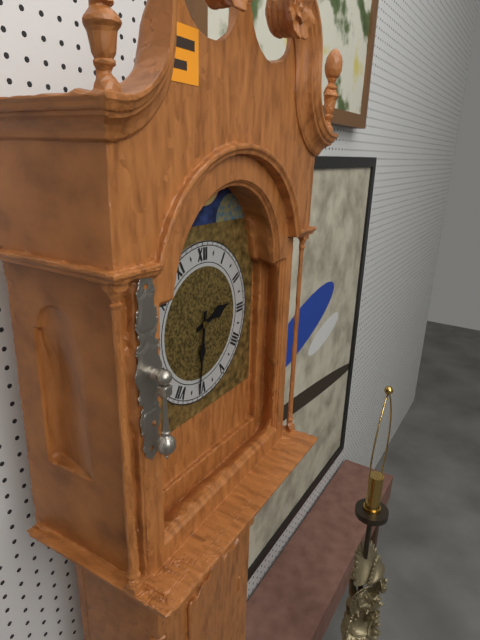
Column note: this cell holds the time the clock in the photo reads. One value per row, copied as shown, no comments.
2:31
